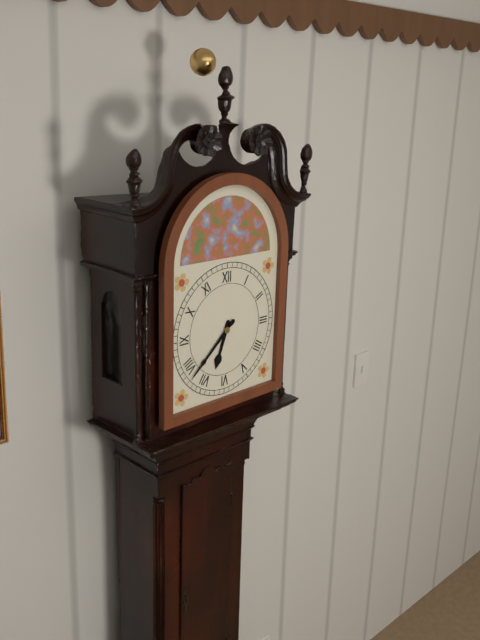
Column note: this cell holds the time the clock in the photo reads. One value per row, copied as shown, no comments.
6:38
